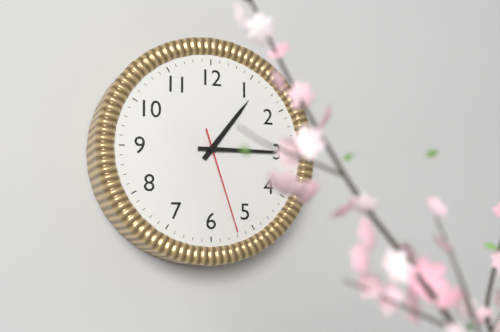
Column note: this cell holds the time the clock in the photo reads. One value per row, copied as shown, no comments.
1:15:27
